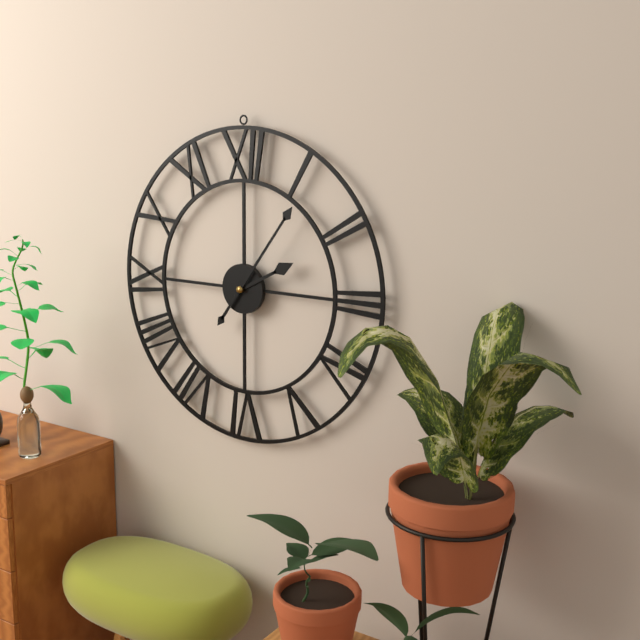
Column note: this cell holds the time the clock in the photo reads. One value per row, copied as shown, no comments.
2:06
